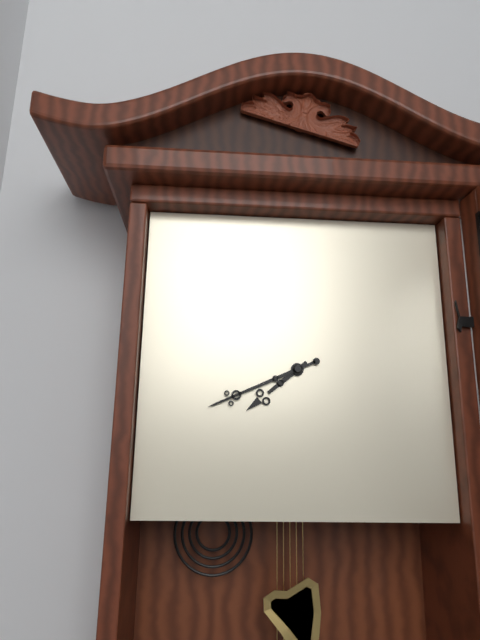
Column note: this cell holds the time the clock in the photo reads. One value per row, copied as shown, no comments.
7:41
